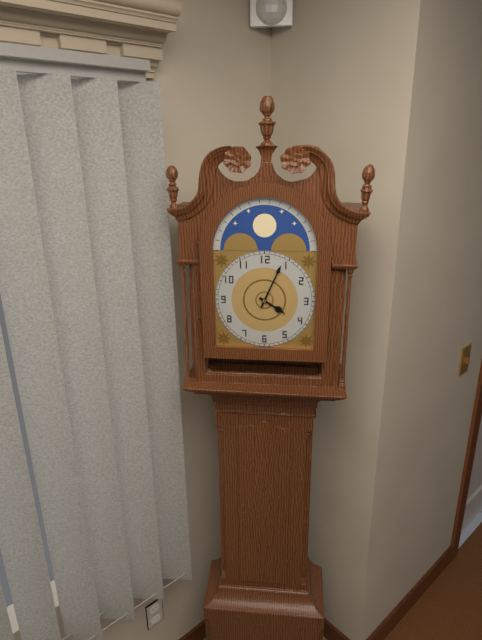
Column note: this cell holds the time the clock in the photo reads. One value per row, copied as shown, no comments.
4:04
